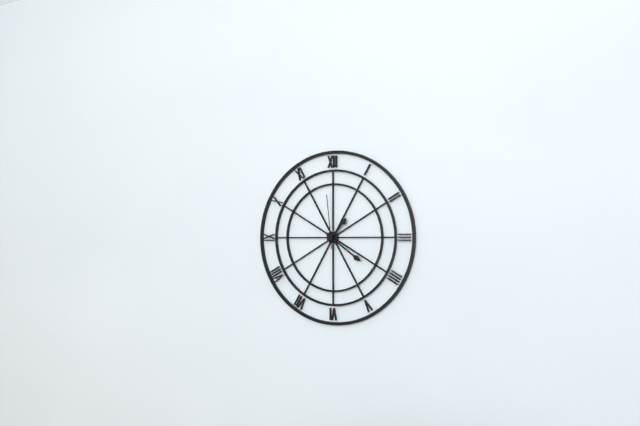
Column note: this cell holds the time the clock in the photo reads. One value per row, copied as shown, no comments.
1:21:59
